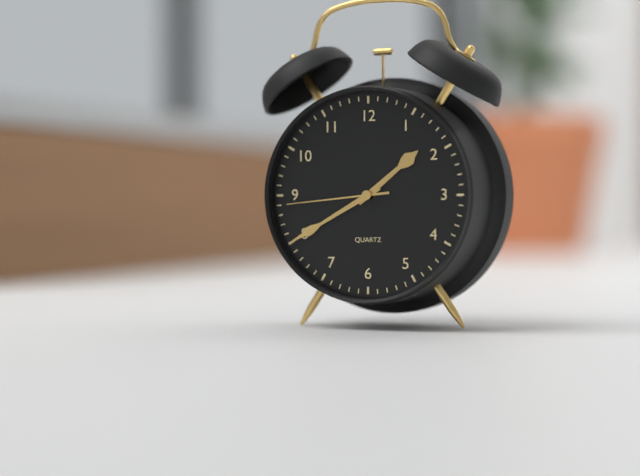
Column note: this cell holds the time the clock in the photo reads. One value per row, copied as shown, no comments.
1:40:44
